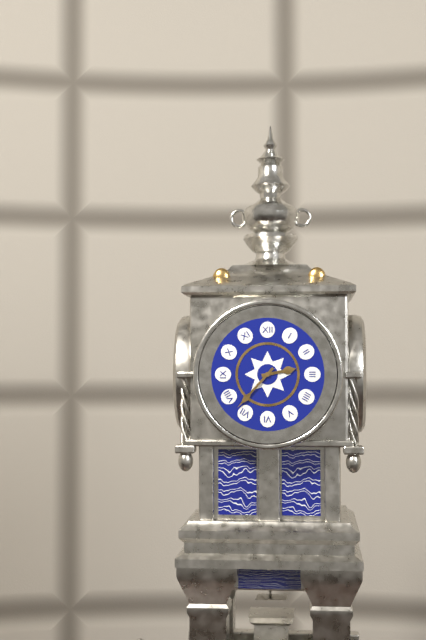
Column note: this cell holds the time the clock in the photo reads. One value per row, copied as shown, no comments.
2:37
